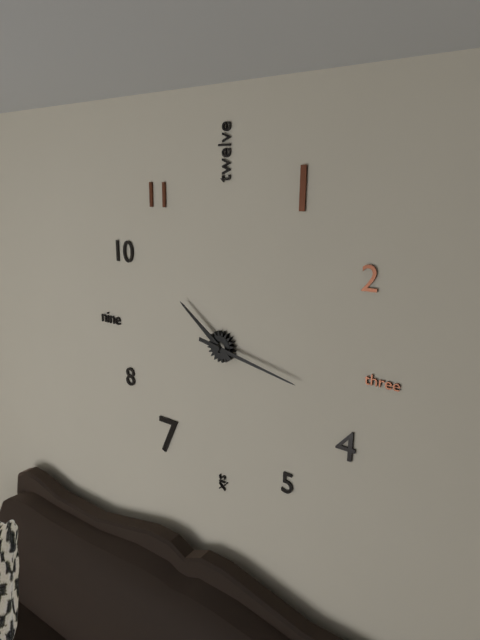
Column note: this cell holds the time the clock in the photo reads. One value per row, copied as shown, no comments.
10:17
